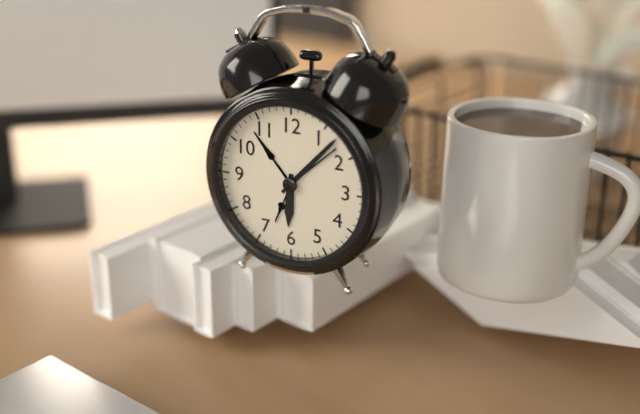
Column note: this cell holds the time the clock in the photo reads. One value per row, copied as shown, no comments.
6:07
